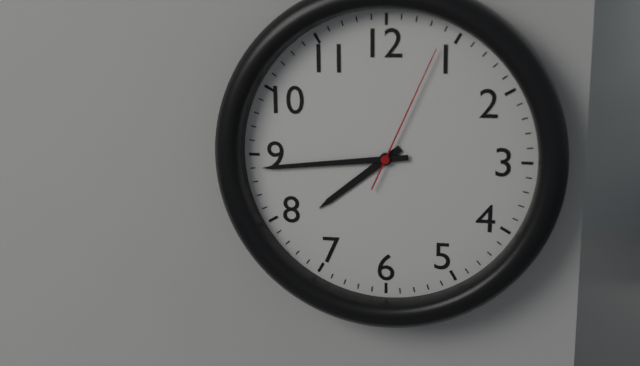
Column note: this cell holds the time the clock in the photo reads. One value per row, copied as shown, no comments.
7:44:04
